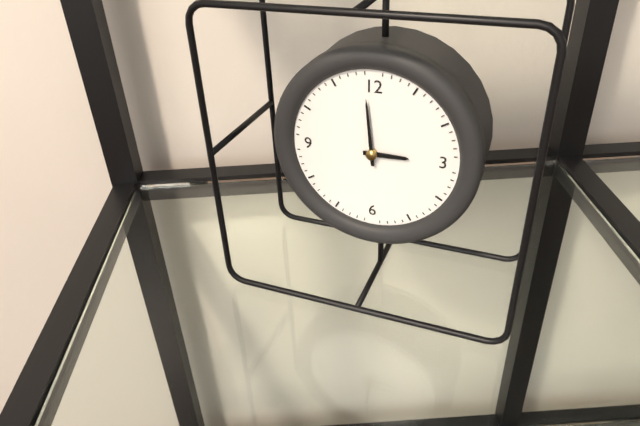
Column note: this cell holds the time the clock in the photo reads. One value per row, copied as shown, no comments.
2:59
